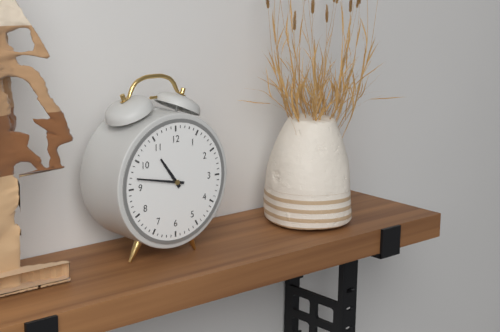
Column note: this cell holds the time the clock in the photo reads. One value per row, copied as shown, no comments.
10:47
